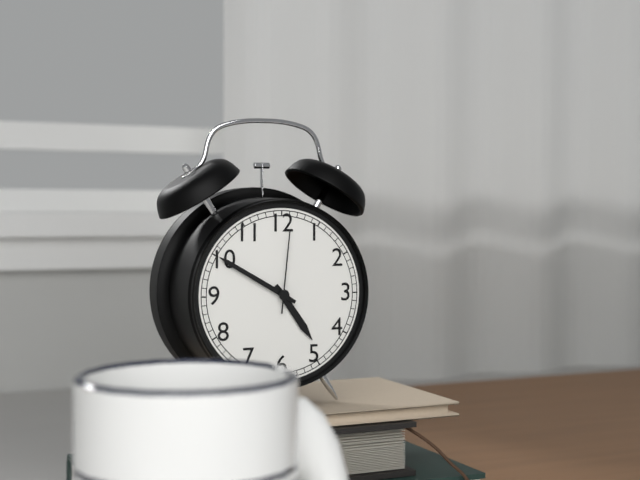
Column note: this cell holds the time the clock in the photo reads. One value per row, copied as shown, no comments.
4:50:01
